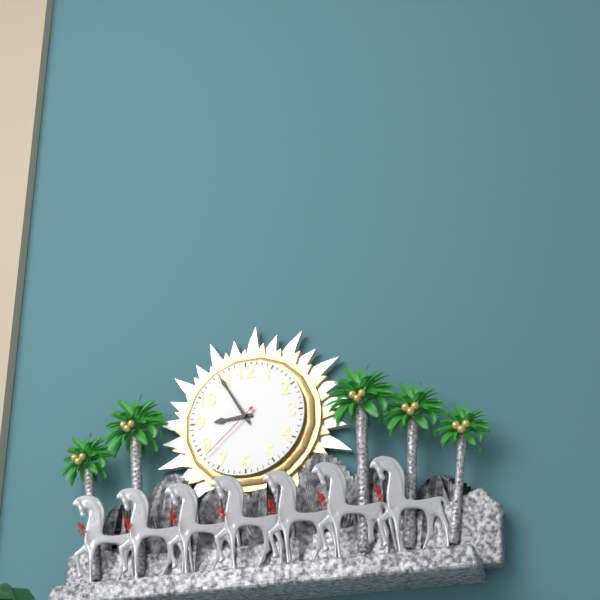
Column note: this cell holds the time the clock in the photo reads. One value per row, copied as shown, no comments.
8:55:38
